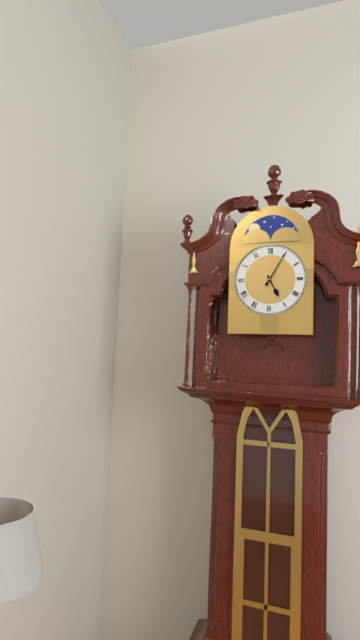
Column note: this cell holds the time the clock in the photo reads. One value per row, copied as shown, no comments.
5:05
